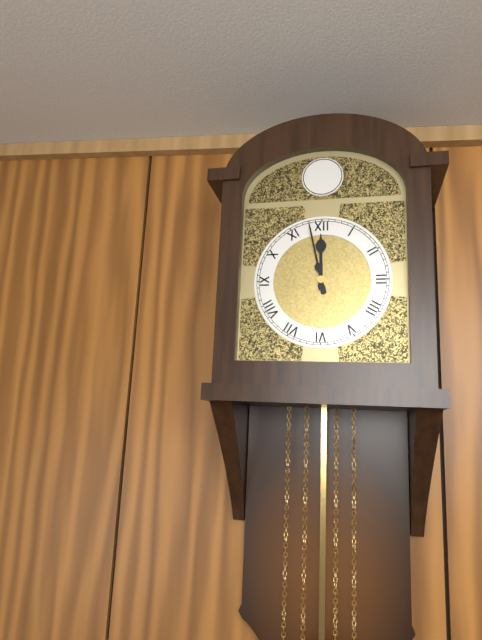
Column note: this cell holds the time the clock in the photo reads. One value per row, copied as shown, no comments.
11:58
